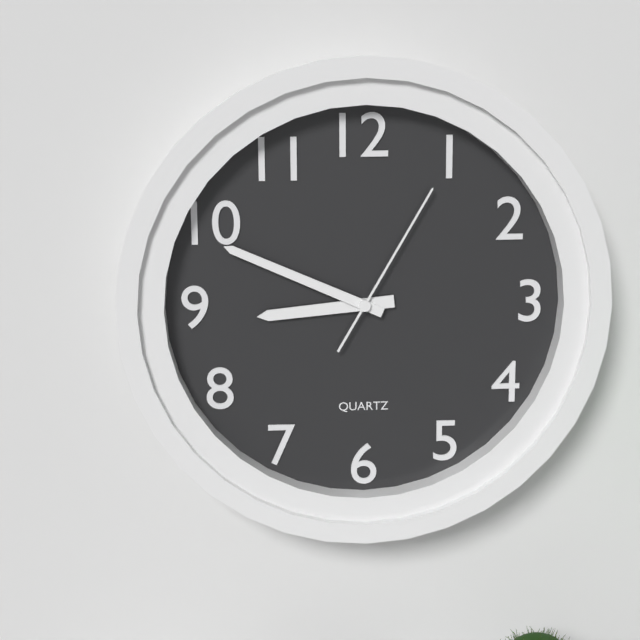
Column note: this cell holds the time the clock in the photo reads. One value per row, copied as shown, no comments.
8:49:05
